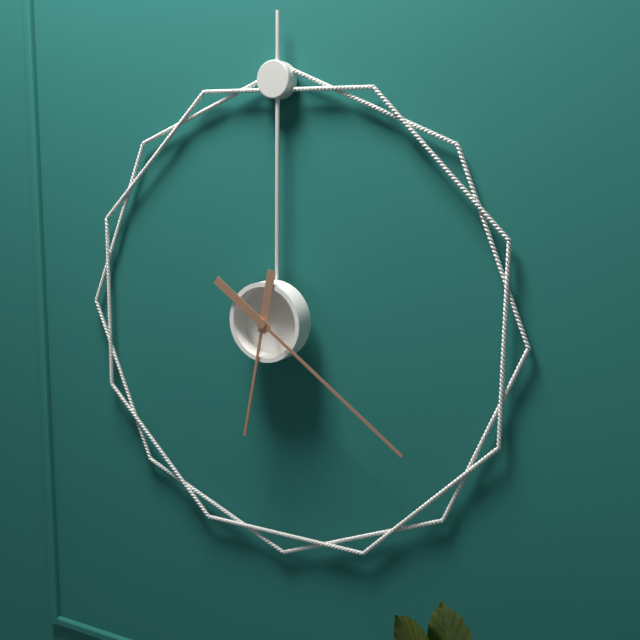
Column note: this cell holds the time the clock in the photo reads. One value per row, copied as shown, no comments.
6:21
